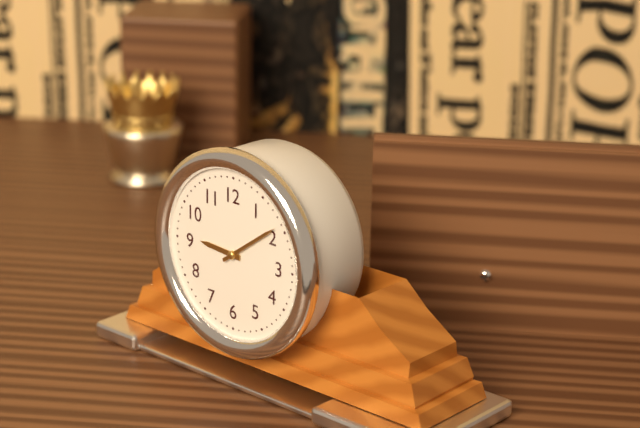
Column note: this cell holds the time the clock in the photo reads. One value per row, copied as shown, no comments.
9:09
